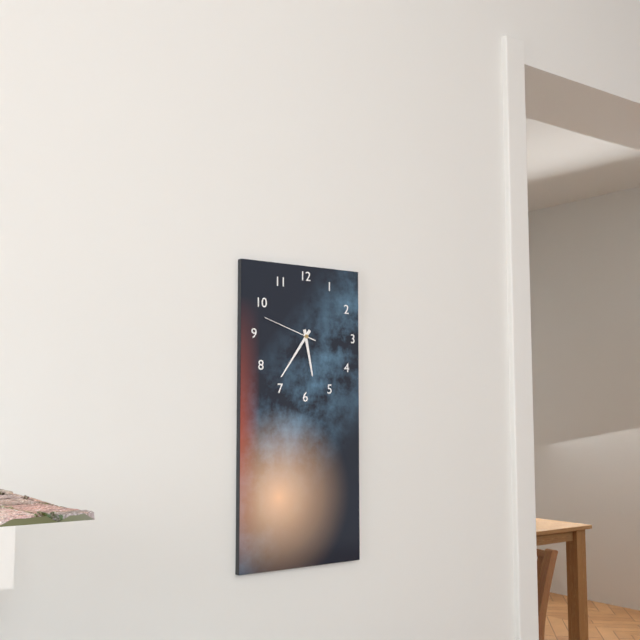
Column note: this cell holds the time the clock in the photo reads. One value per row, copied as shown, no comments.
5:36:48
